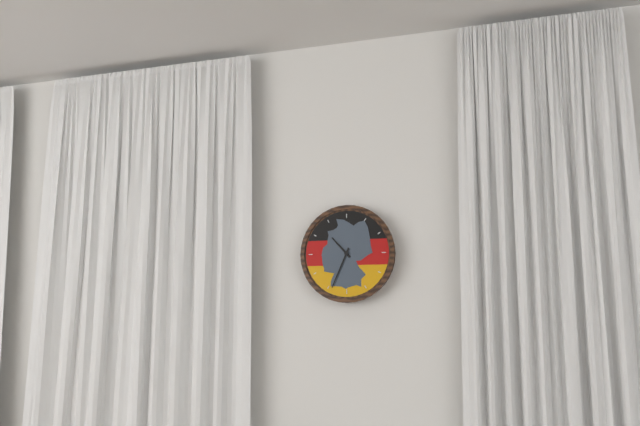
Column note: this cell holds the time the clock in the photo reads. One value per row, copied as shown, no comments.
10:34
